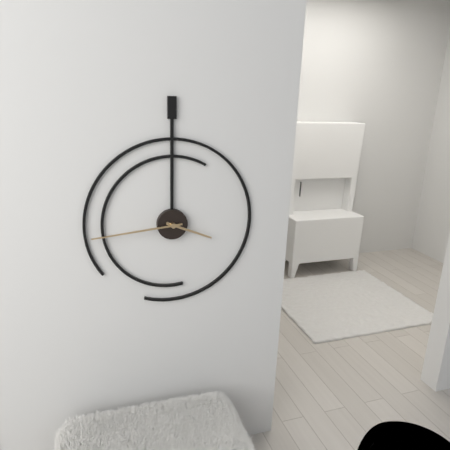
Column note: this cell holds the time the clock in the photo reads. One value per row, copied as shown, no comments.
3:44
